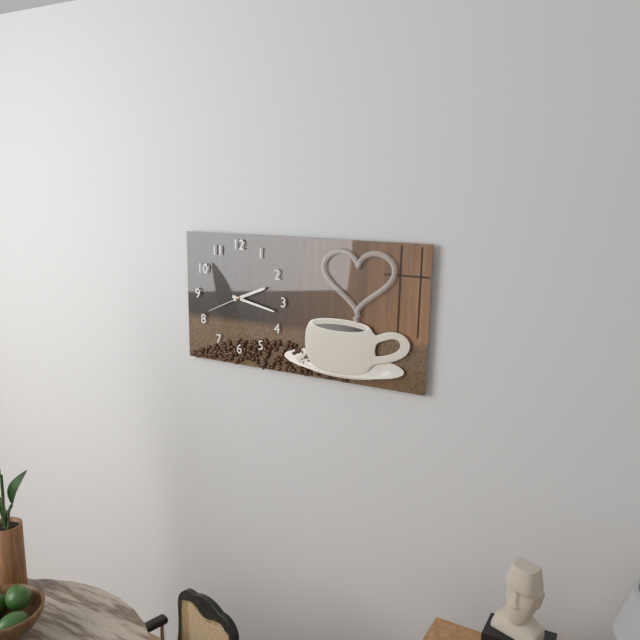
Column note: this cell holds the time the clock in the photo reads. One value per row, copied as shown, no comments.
2:17
